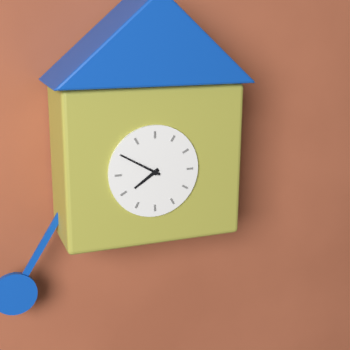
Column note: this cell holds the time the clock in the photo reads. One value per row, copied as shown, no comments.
7:50
